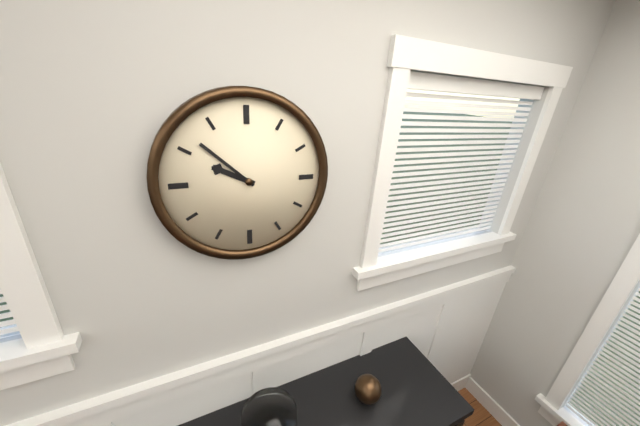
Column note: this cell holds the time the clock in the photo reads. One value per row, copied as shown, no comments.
9:52
